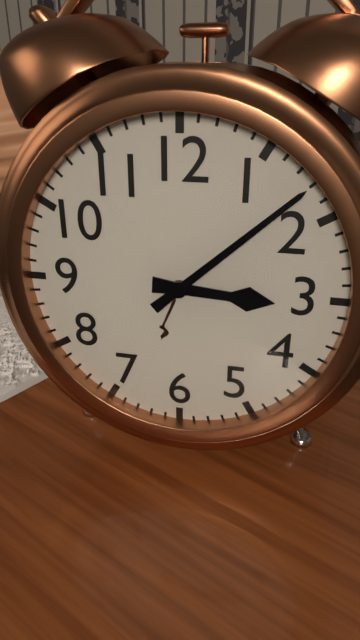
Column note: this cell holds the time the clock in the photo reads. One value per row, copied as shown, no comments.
3:08
